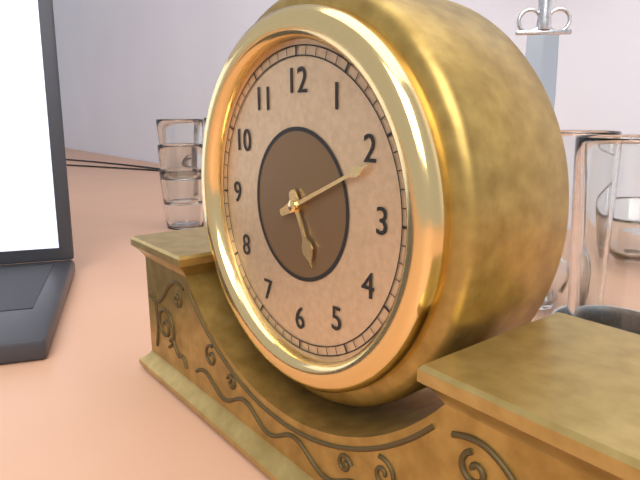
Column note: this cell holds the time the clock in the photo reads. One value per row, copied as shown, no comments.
5:11
